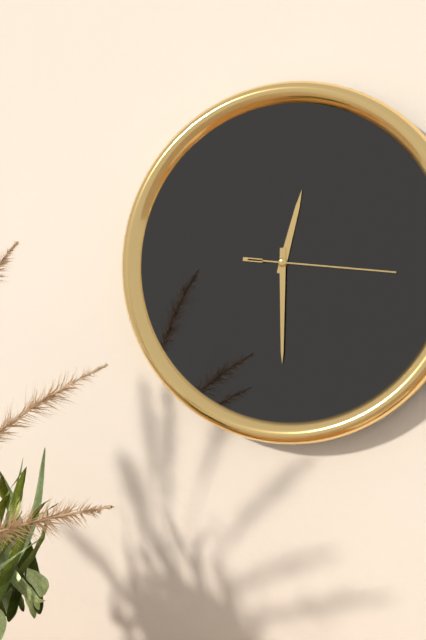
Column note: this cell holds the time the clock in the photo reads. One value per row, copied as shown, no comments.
12:30:16
